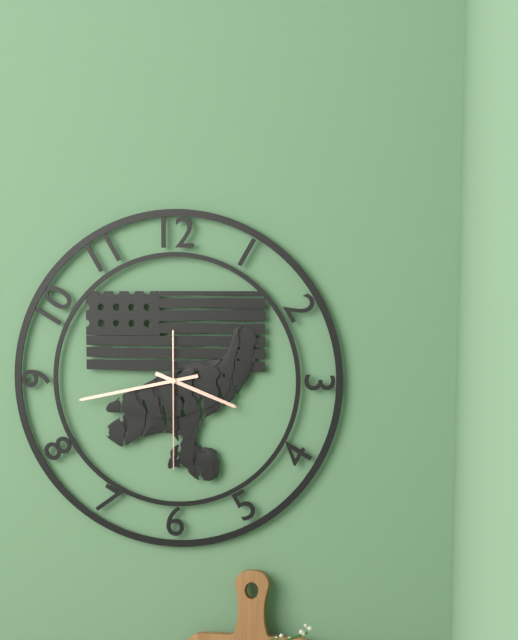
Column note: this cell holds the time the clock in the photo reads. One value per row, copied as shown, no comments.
3:43:30
